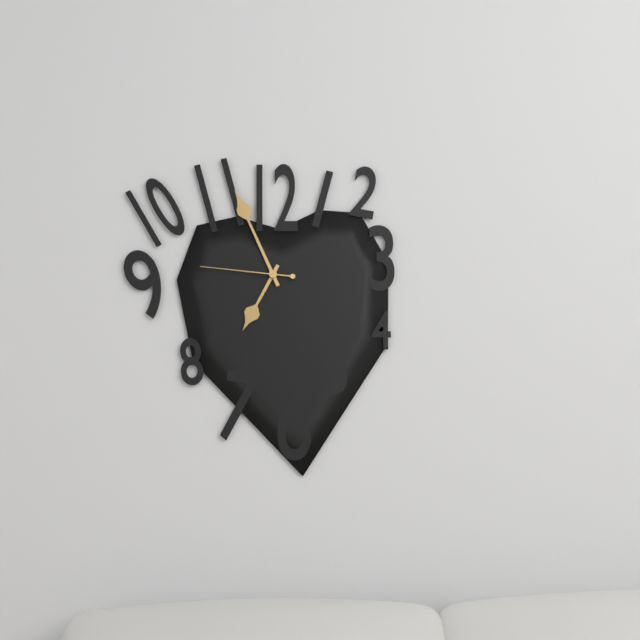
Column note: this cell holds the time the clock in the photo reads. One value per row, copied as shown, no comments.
6:56:46
